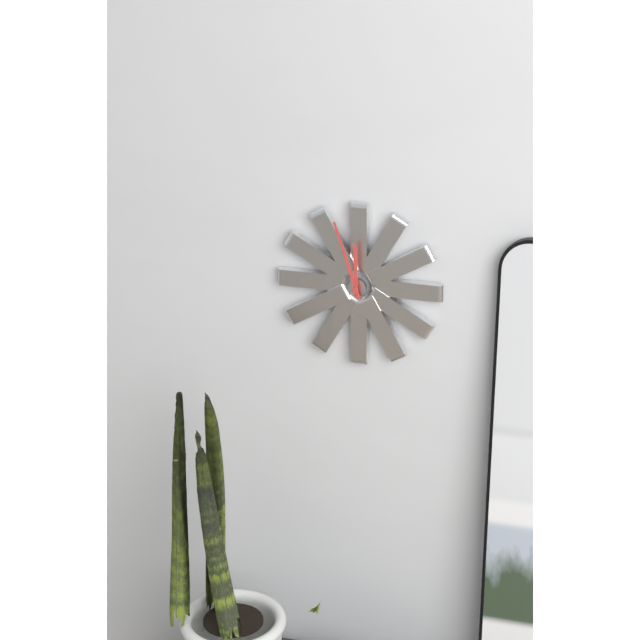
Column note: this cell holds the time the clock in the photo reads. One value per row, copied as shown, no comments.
11:57
